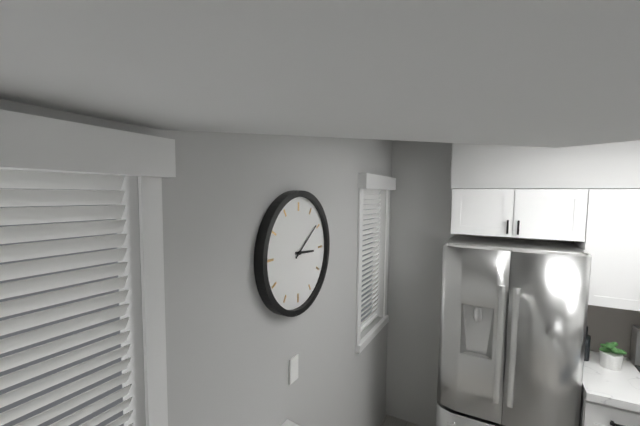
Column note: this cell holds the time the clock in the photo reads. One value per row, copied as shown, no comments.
3:09
